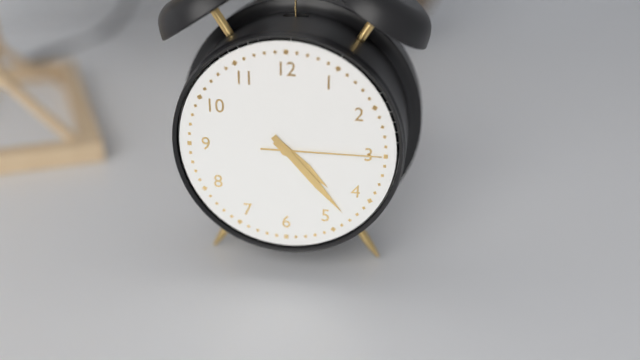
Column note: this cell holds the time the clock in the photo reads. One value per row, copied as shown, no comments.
4:23:15
